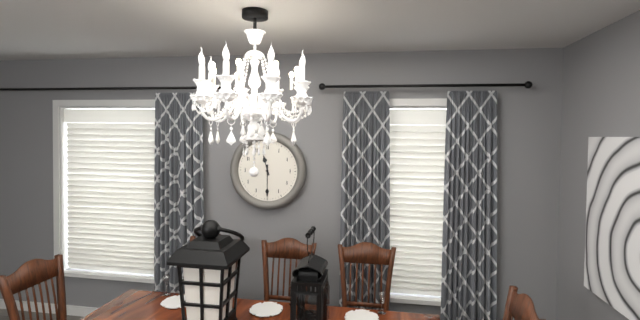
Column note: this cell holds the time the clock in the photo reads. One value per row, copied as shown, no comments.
11:30
